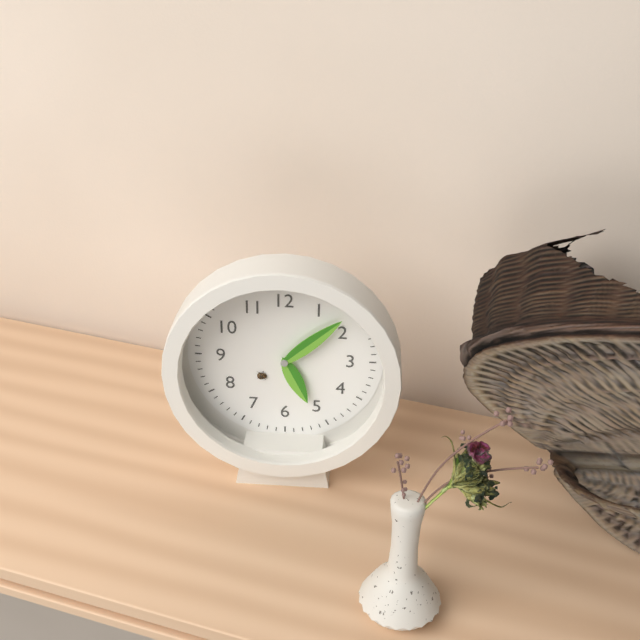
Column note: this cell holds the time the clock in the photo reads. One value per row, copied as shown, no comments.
5:08
